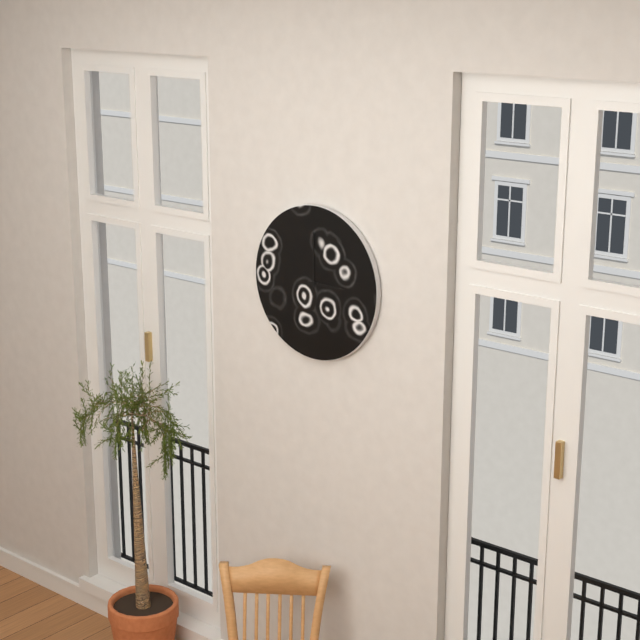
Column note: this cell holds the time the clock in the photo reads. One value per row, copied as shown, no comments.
3:00
